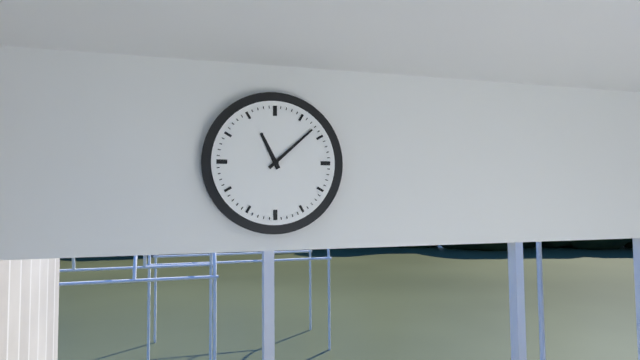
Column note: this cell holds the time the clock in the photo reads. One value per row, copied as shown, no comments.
11:08
